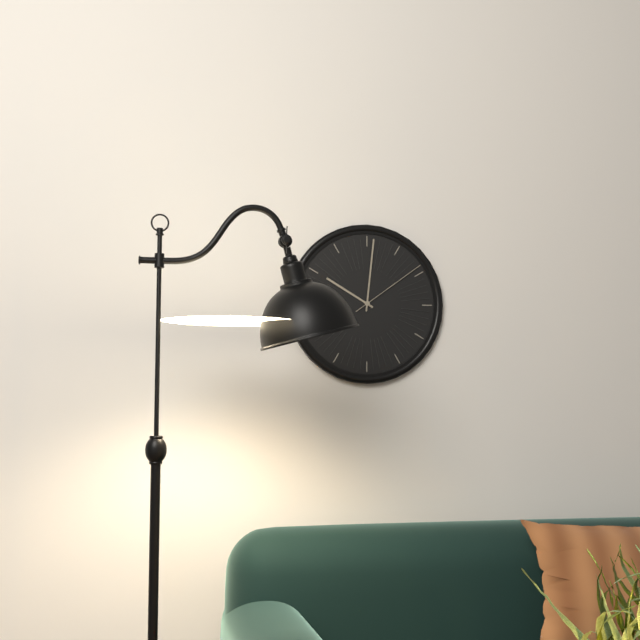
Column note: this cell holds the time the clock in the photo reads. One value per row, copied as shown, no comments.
10:01:09
